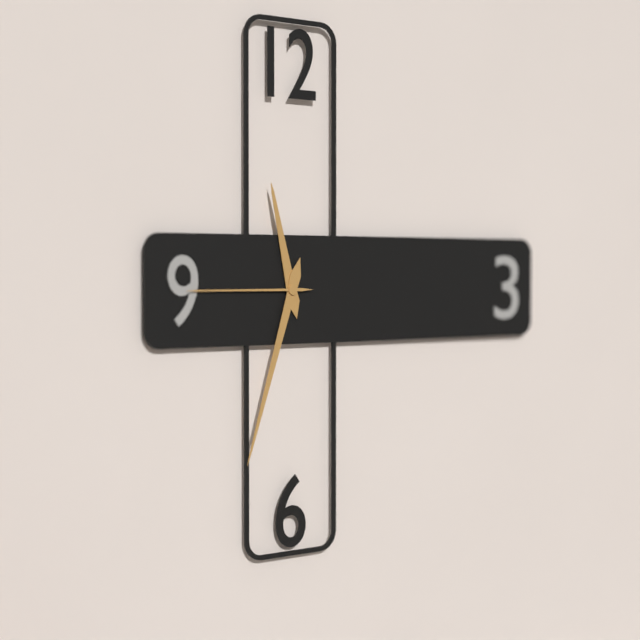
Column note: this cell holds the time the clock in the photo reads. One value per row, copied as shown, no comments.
11:33:45
